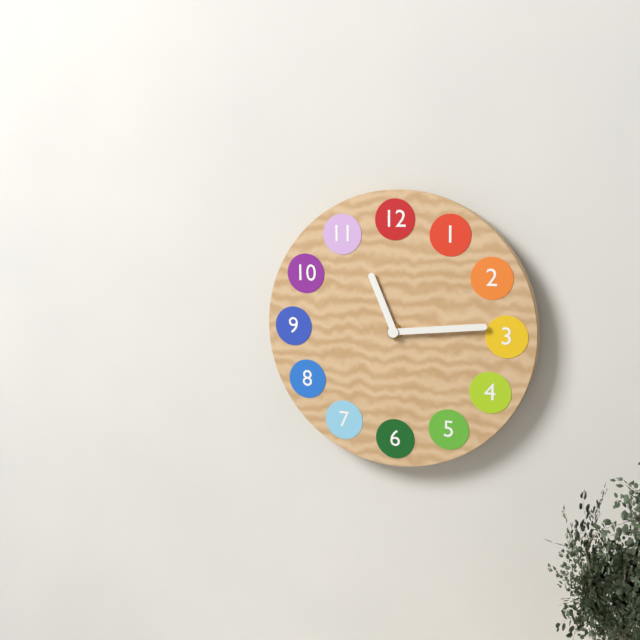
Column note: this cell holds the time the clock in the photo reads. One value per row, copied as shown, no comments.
11:14
